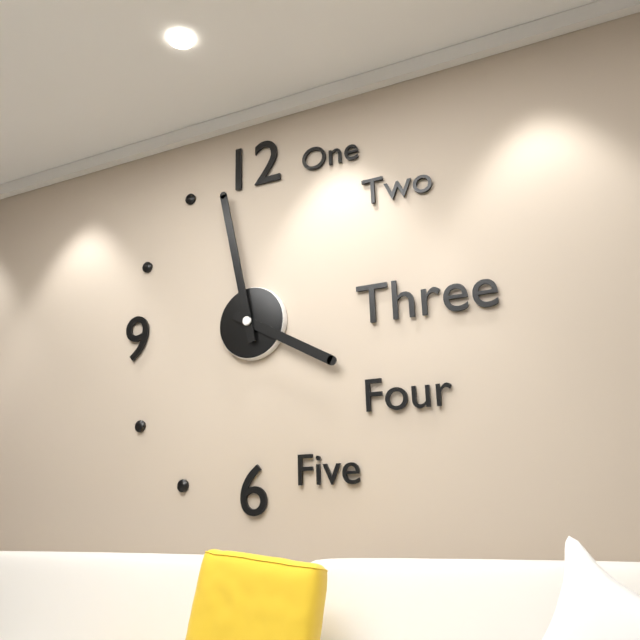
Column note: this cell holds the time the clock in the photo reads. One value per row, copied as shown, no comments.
3:58
